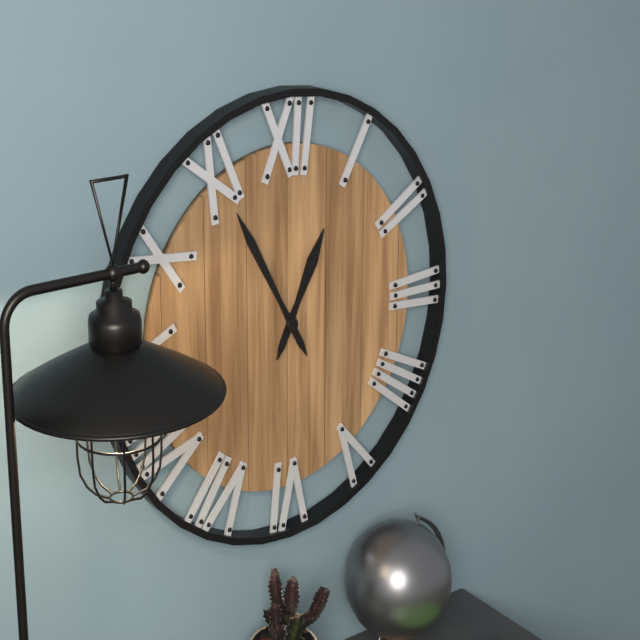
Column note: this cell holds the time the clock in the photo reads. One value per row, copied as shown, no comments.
12:55
